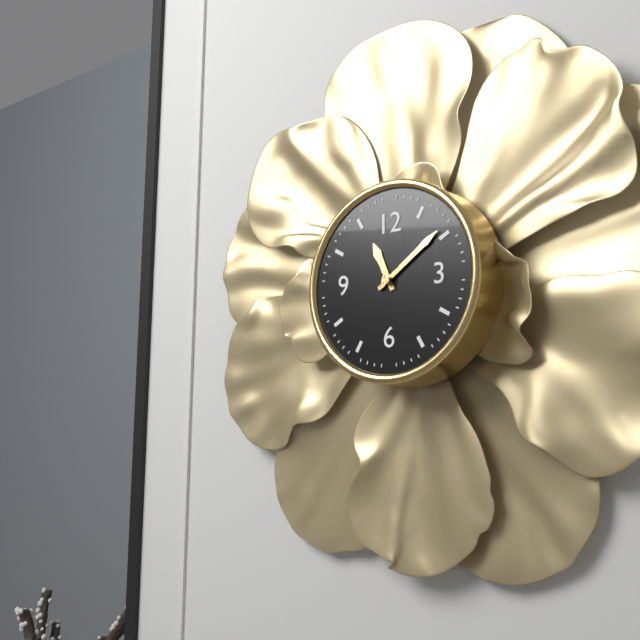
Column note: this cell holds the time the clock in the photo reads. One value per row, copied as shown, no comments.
11:09
